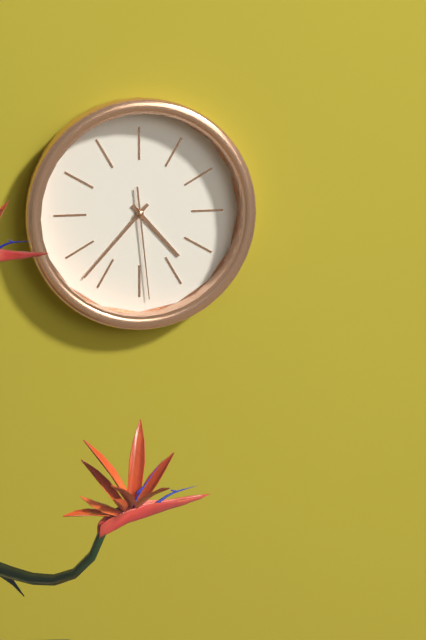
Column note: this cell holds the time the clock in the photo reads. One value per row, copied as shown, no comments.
4:37:29
